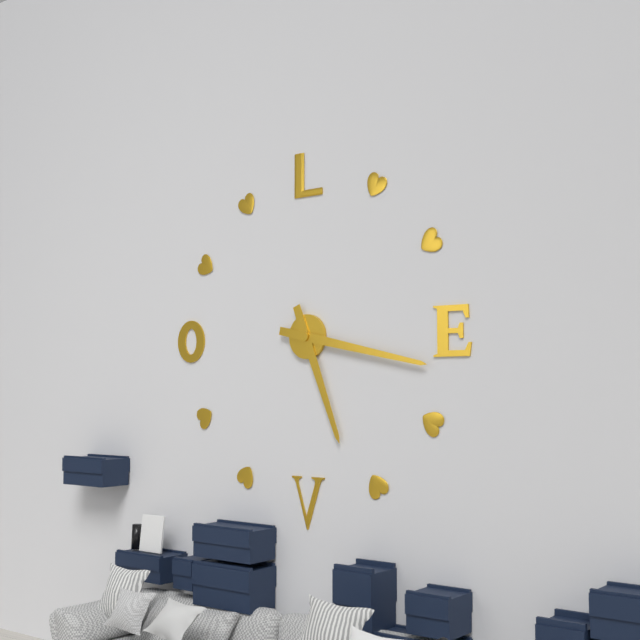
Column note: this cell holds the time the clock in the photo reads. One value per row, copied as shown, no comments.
5:17
